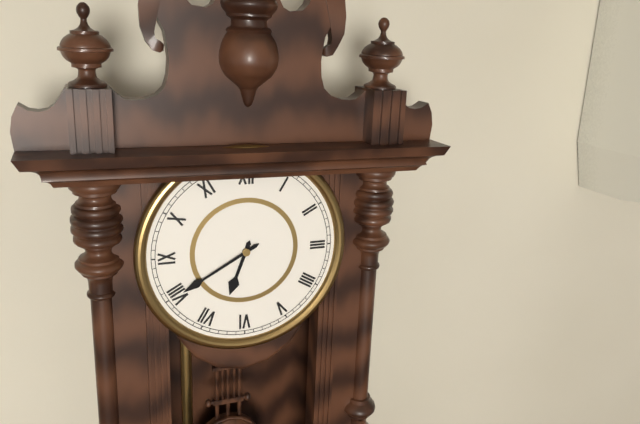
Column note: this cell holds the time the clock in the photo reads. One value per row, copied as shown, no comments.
6:40
